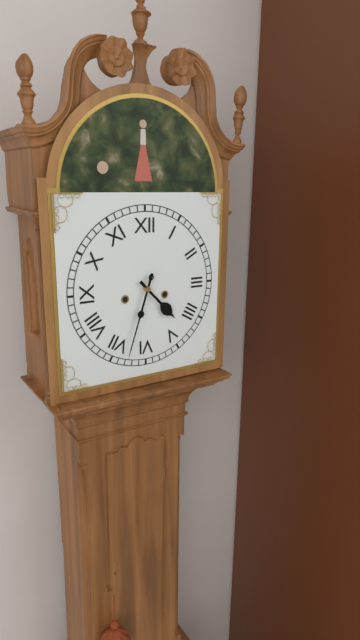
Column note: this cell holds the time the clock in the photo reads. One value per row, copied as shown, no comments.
4:33
